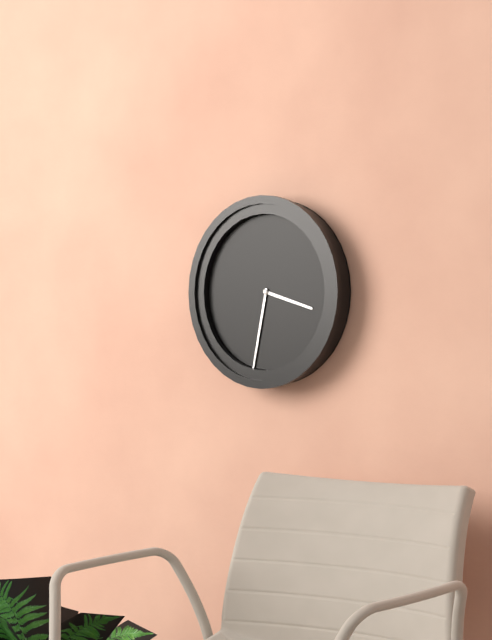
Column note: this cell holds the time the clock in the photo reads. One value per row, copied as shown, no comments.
3:32
